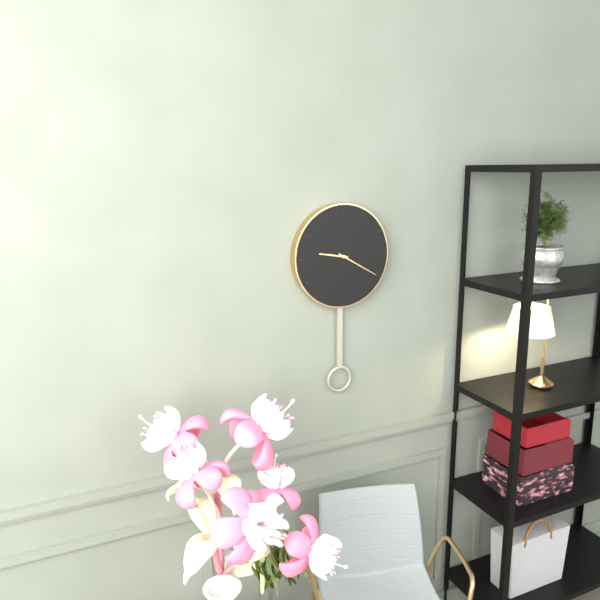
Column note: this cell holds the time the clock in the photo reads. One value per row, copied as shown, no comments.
9:20
